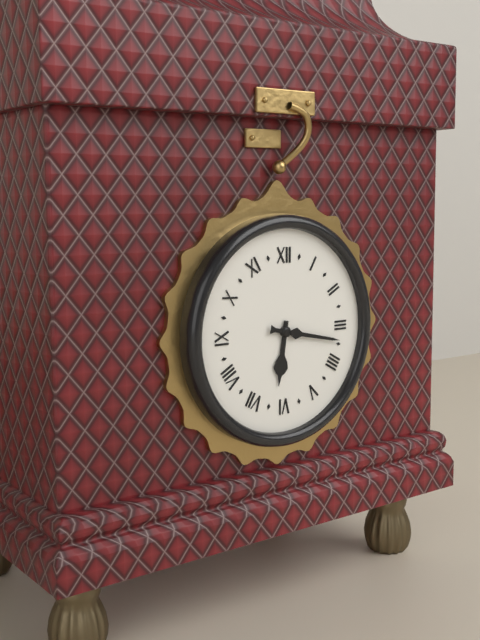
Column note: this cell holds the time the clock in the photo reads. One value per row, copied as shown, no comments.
6:17
